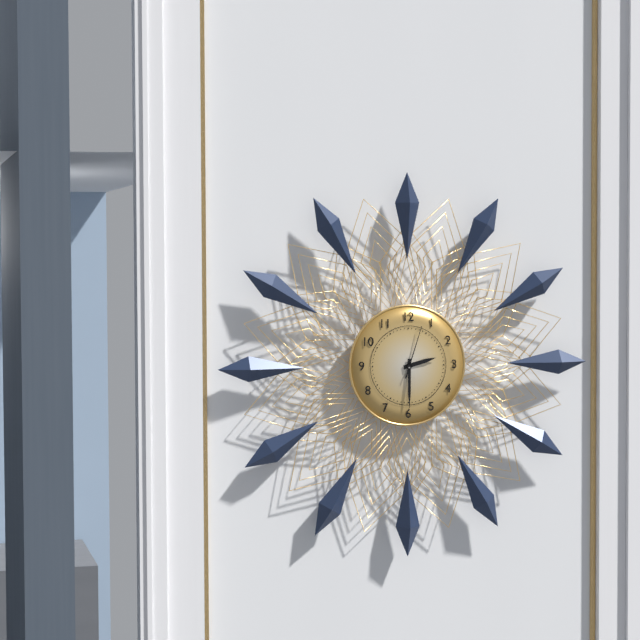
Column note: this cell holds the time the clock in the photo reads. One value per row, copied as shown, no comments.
2:30:03
